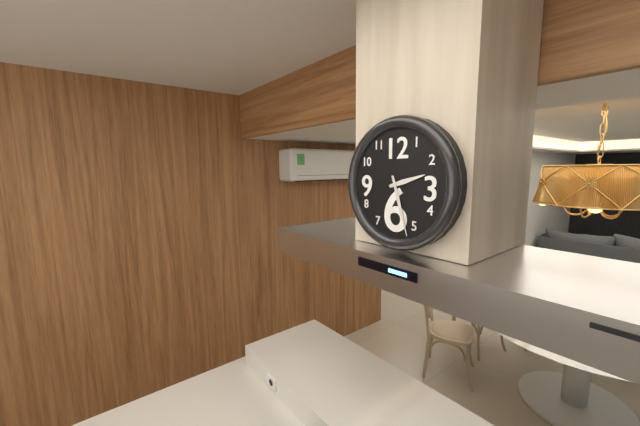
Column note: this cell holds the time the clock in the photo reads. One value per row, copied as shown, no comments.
2:27
